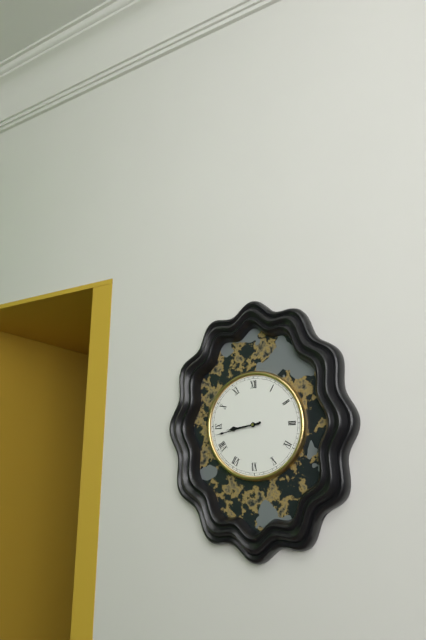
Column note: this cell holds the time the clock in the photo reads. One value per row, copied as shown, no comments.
8:43
